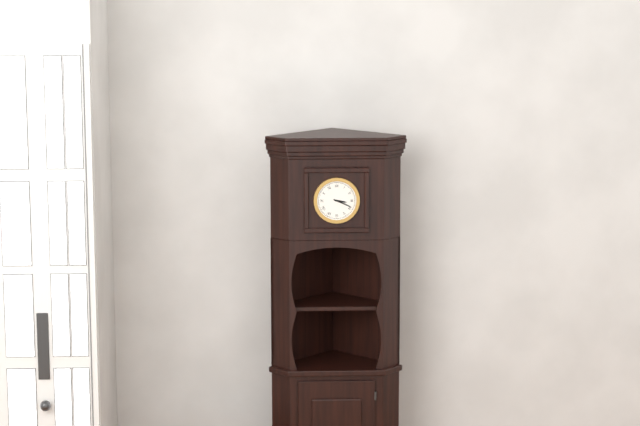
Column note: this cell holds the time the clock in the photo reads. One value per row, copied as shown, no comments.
3:19
